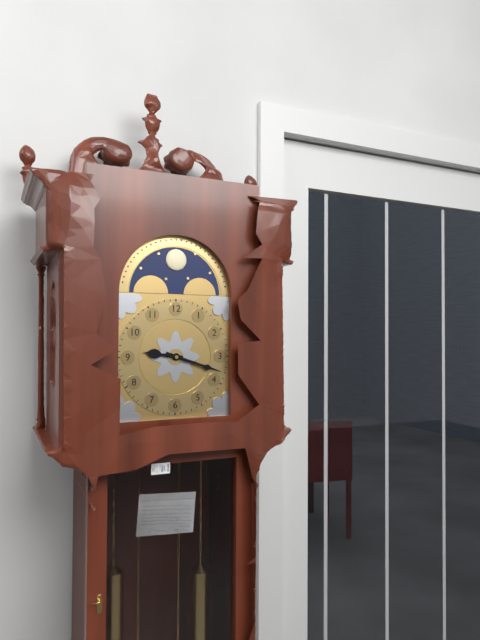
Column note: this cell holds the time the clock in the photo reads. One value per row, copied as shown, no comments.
9:18
